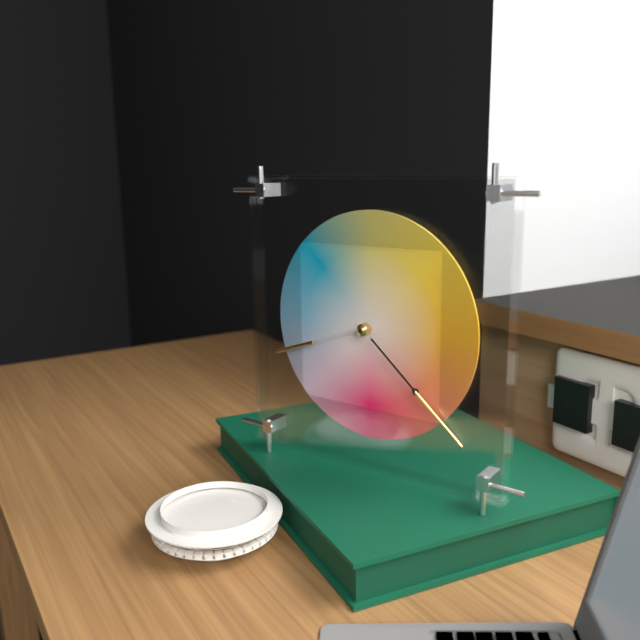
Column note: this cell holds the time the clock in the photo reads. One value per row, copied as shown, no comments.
8:22
